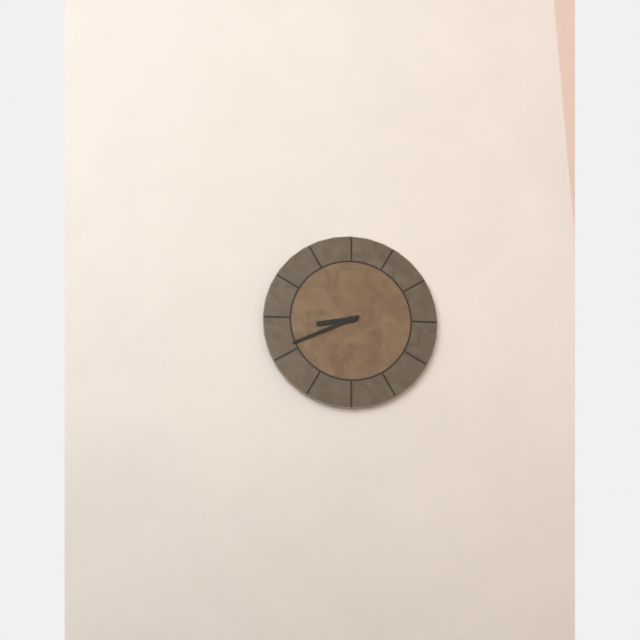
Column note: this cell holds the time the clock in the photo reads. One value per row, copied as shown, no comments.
8:41
